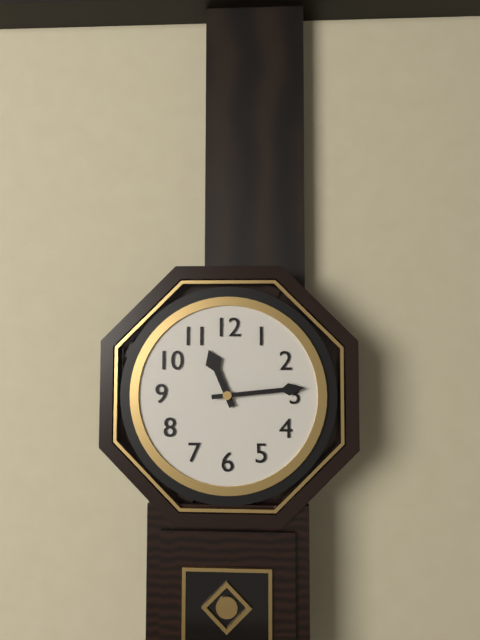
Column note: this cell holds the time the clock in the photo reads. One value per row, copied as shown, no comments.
11:14
